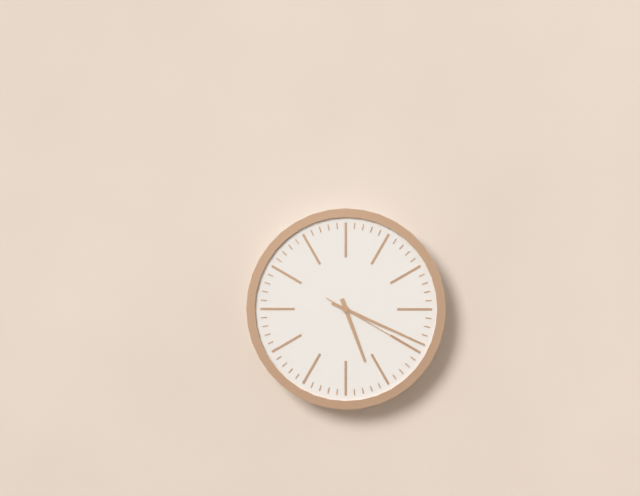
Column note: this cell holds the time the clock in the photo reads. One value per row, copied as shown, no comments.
5:19:20
